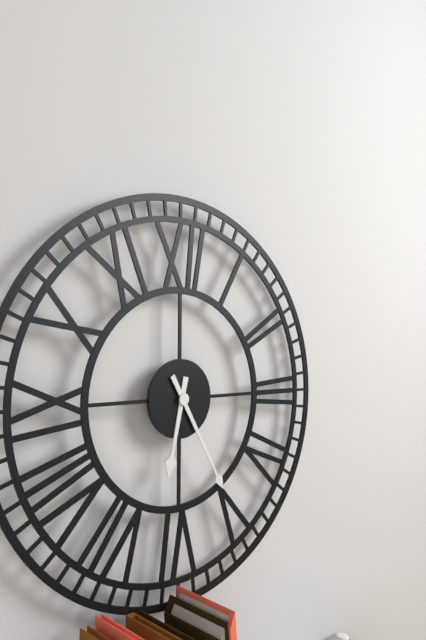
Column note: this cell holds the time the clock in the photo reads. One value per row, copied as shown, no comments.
6:25
